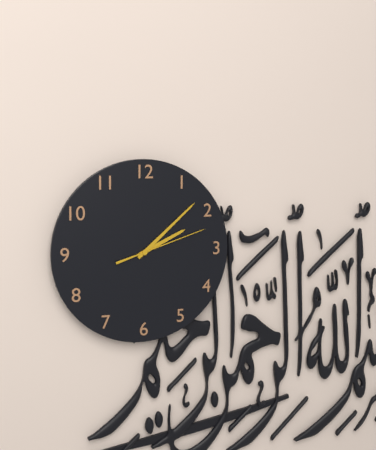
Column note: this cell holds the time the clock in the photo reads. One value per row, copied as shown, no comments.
2:08:12
